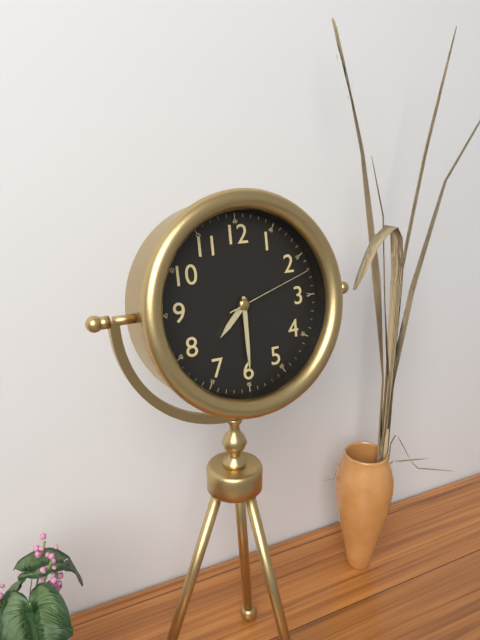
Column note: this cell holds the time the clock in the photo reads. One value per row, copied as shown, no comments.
7:30:12
